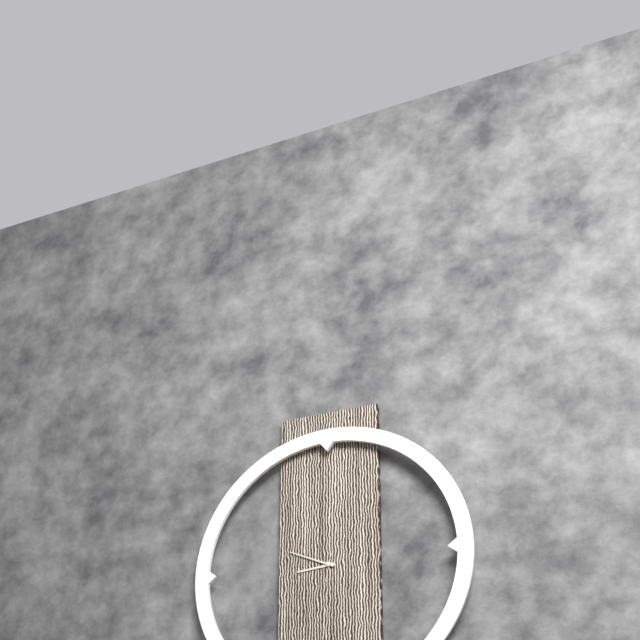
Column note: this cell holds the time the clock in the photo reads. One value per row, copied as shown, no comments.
8:49
